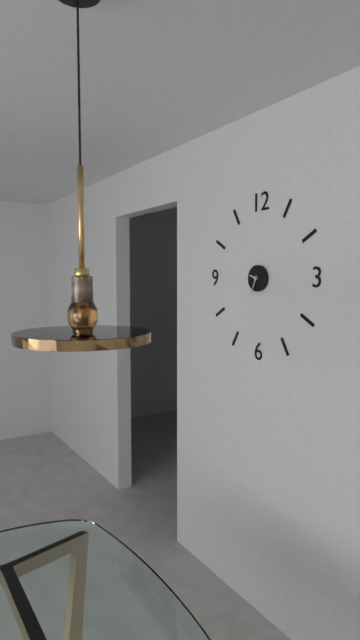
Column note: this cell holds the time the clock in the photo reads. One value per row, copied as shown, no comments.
9:34
